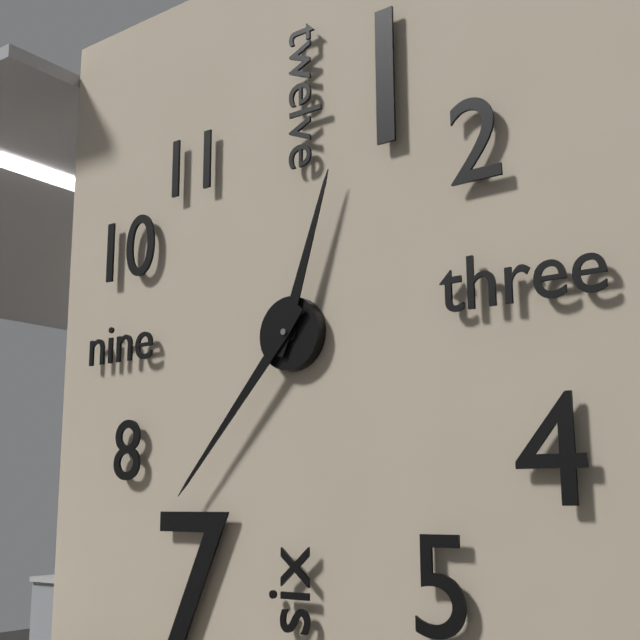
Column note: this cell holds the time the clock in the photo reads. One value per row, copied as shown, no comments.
12:37
